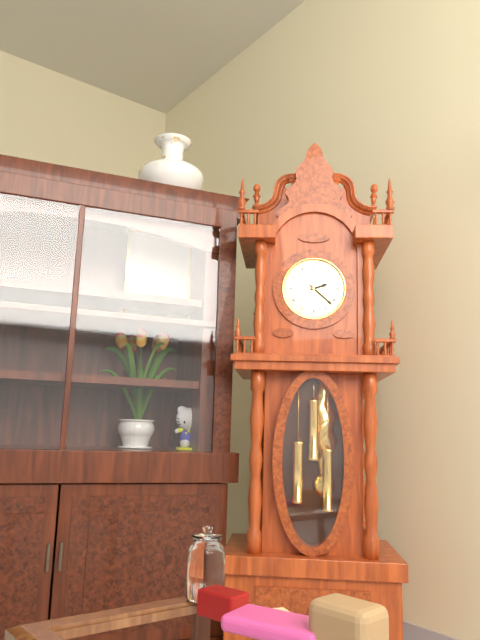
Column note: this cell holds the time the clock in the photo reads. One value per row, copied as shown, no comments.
2:22
